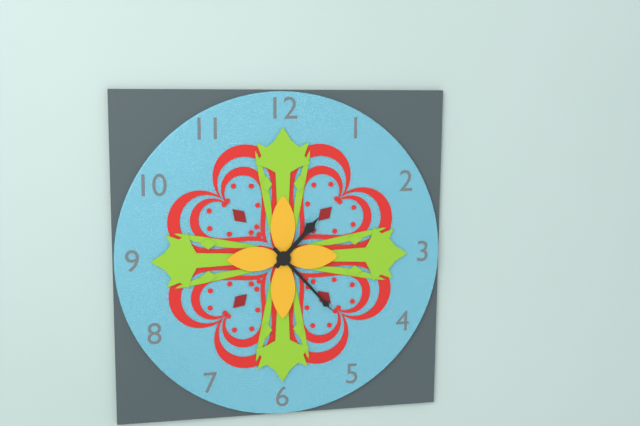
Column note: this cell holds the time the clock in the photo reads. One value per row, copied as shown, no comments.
1:23
